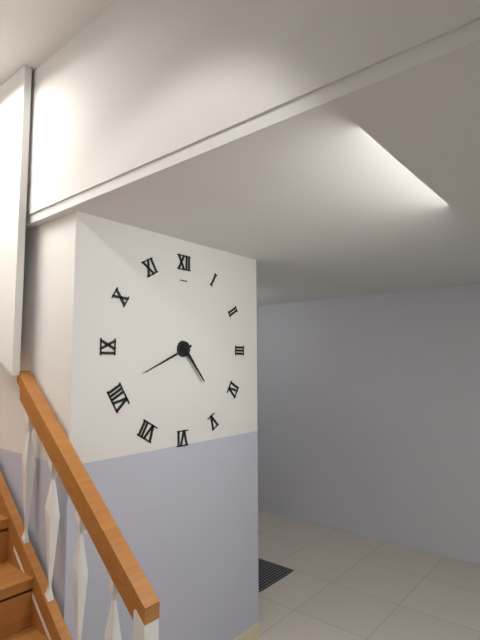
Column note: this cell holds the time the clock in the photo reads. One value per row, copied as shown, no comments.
4:41
